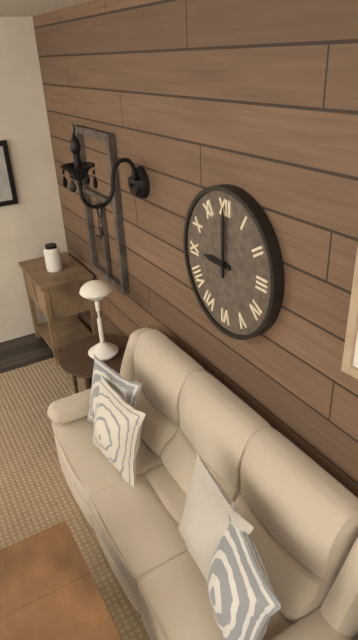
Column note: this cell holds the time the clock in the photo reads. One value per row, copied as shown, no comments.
9:00
